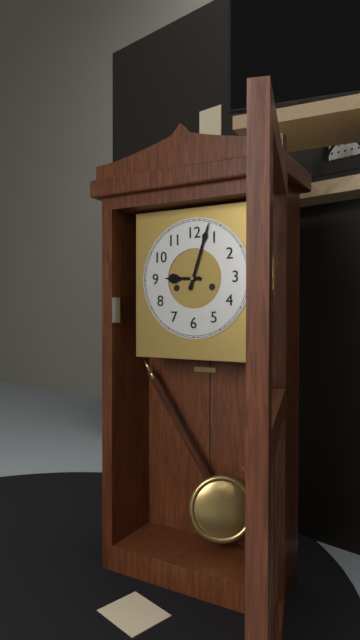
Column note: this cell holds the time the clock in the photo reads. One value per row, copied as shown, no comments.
9:03
